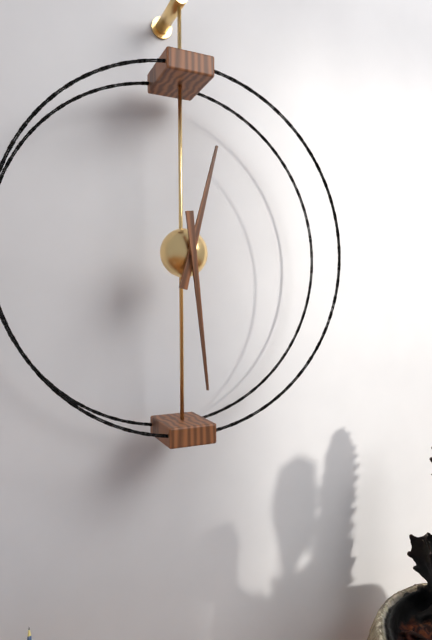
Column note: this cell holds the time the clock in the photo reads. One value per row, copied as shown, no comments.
12:29
